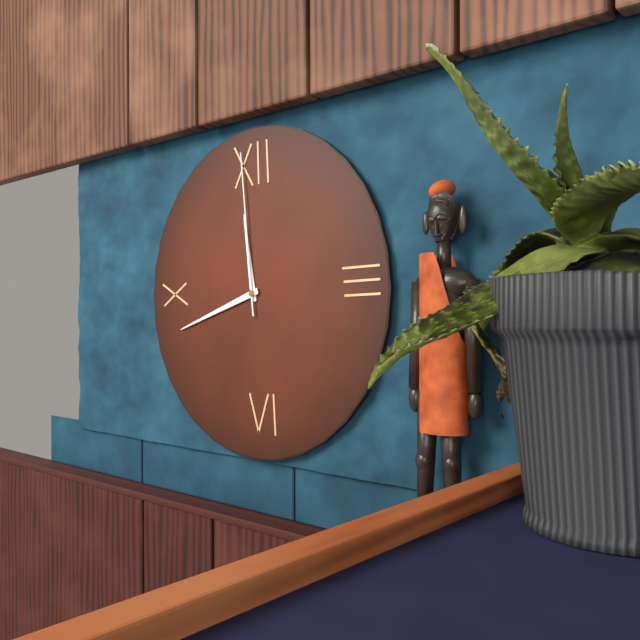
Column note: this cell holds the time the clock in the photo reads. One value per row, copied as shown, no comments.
11:42:59
